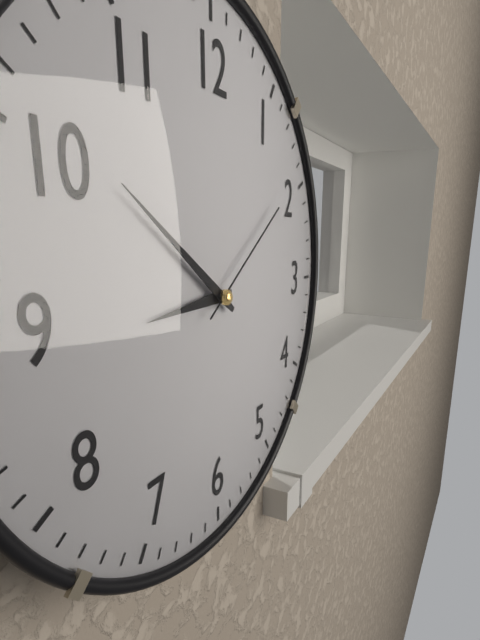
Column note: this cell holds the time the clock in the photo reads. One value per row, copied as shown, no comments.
8:51:09
